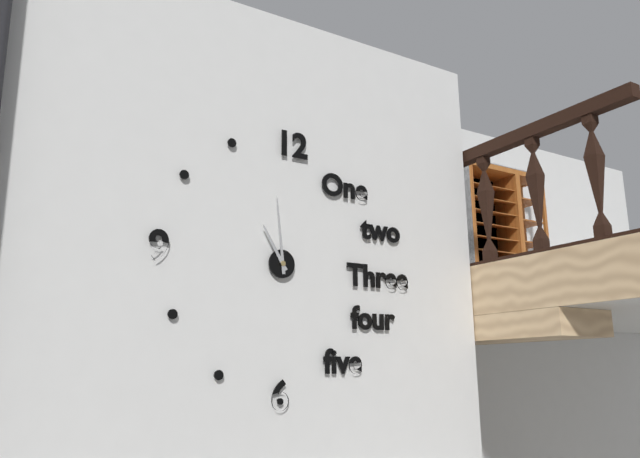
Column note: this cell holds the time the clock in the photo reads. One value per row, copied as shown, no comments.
10:59
